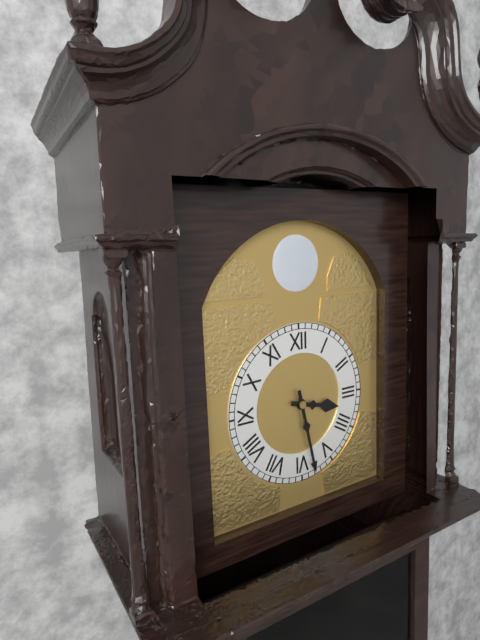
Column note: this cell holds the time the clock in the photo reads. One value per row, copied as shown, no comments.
3:28
